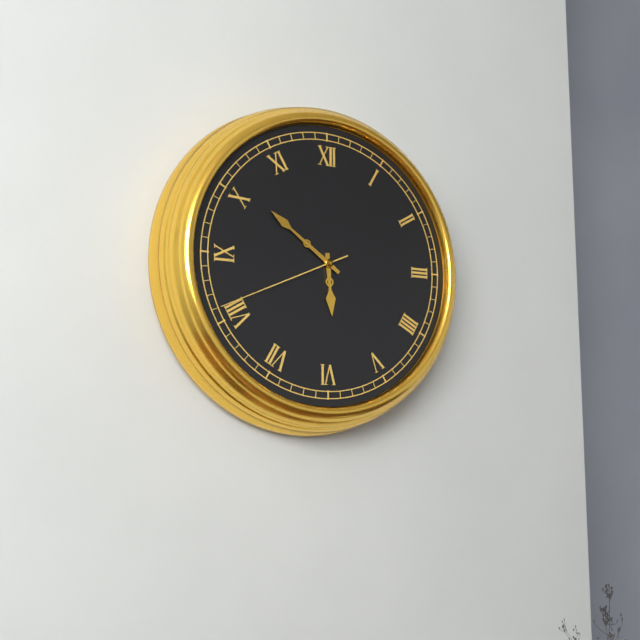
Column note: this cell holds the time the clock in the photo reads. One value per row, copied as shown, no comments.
5:51:41
